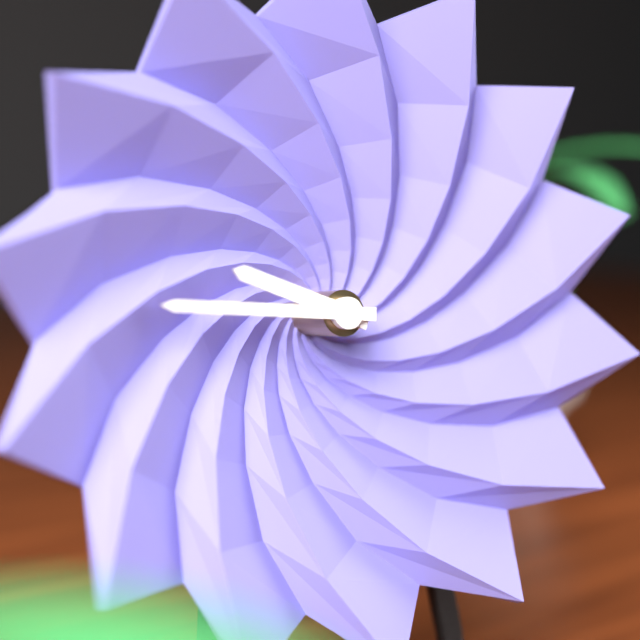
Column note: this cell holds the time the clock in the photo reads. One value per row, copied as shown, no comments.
9:46
